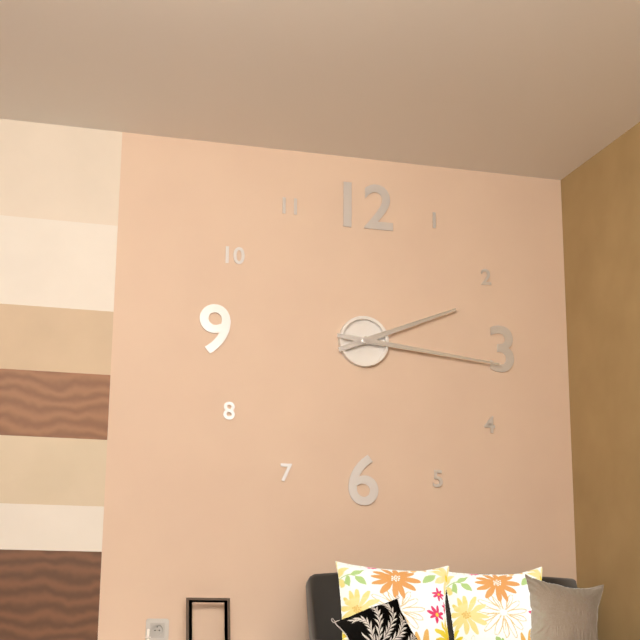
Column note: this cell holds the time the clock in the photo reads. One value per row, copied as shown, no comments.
2:16
